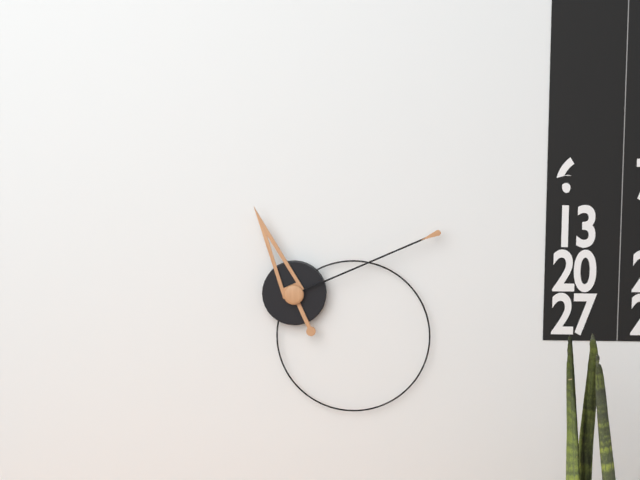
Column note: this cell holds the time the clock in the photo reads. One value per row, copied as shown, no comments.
11:11
